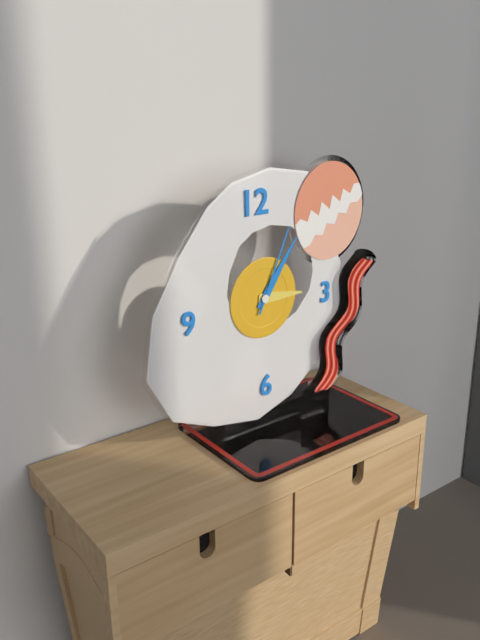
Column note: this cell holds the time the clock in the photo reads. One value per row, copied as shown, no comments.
3:06:04
